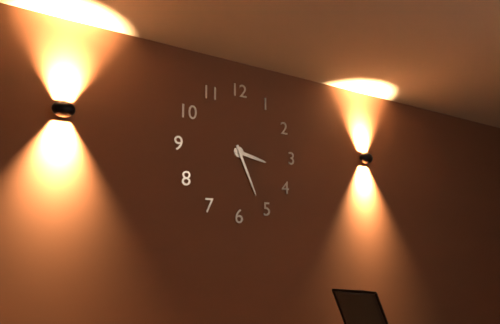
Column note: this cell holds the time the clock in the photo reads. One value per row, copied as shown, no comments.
3:26
